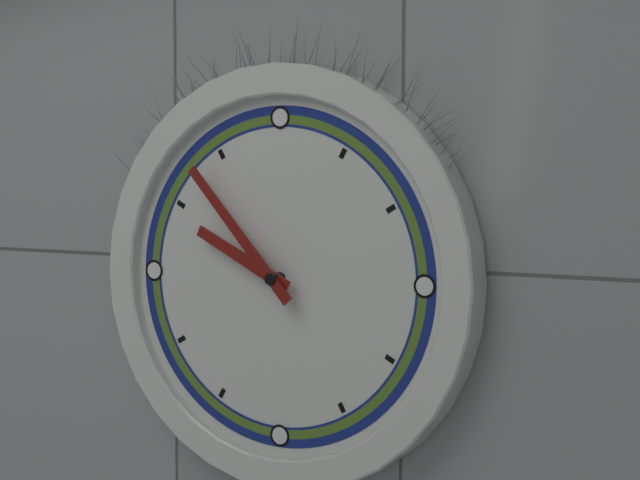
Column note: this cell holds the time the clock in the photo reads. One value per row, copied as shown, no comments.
9:53
